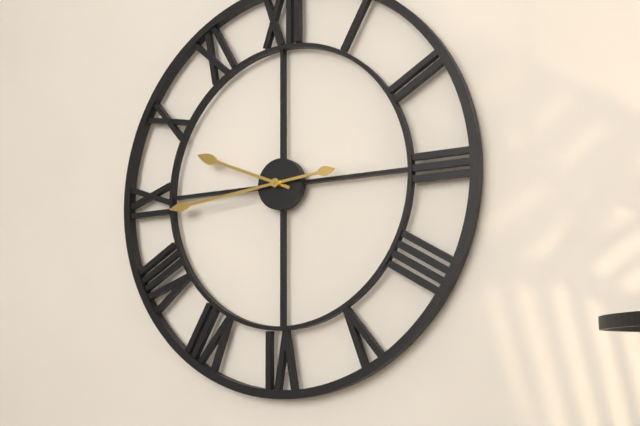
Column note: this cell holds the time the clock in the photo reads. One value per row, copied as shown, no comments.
9:44
